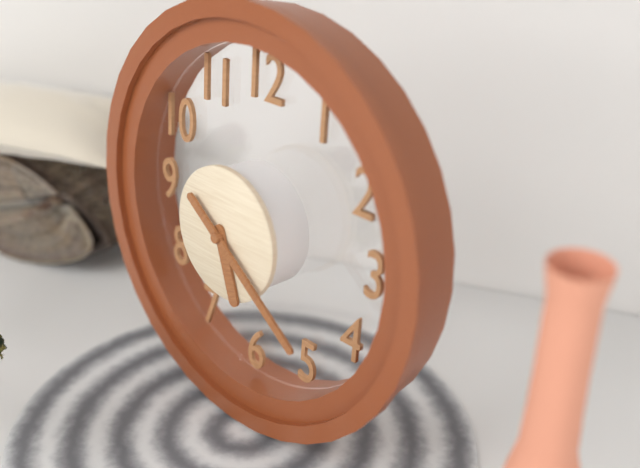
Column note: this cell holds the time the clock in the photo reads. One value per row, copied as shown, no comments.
5:21
